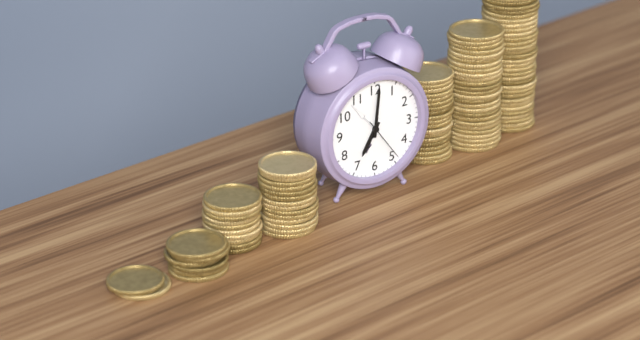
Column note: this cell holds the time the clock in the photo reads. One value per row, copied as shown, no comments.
7:01
